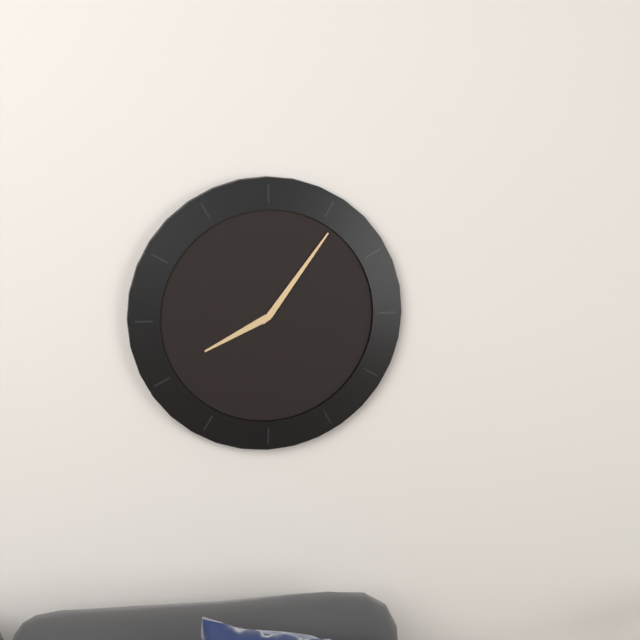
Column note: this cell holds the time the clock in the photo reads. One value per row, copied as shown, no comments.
8:06
